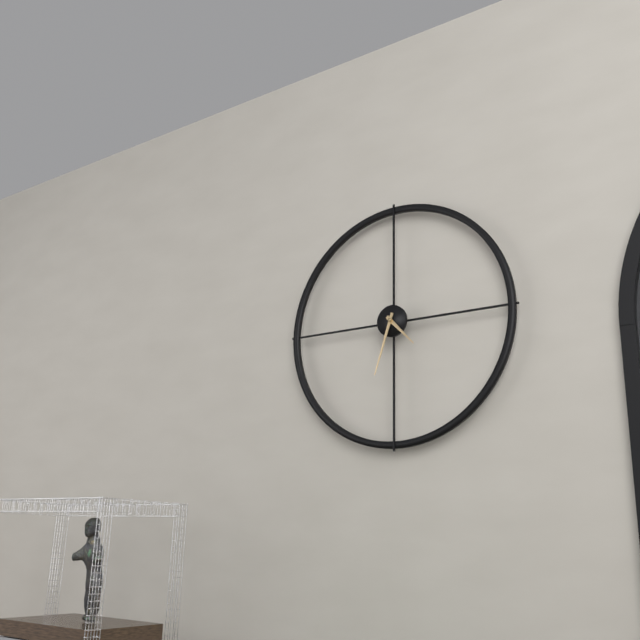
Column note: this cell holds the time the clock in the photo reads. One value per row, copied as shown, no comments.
4:33
